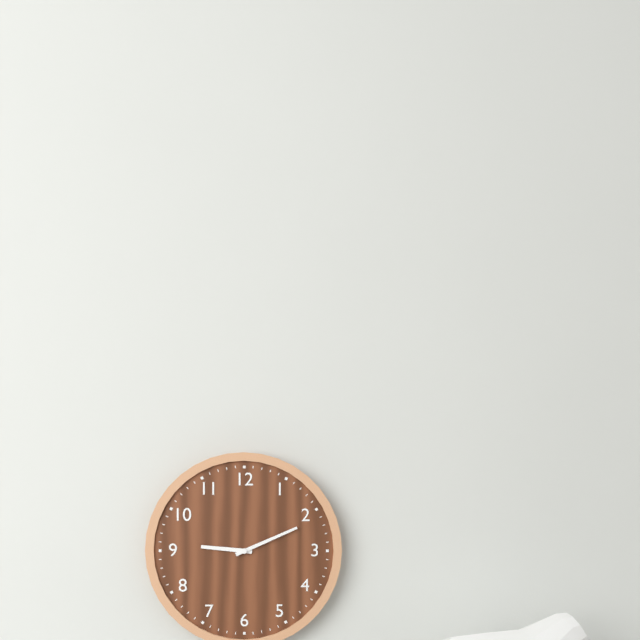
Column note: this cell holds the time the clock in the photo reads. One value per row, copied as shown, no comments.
9:11
